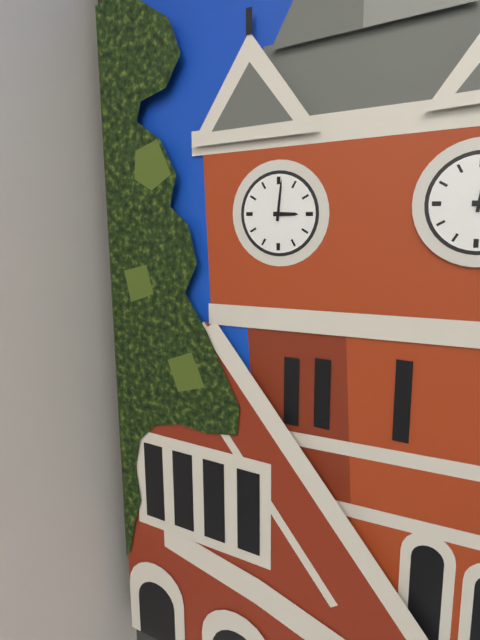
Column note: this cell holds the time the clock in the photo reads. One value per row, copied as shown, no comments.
3:01
